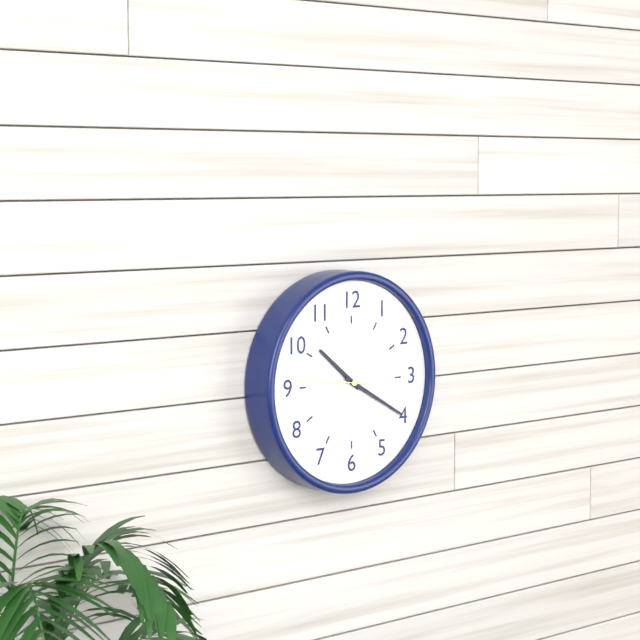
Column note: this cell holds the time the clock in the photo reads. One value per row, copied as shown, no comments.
10:20:46
